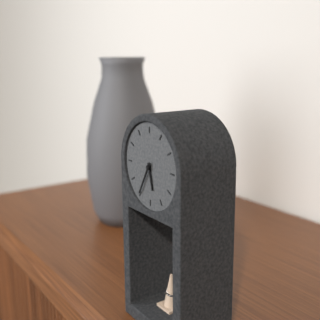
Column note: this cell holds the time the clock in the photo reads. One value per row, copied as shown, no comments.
5:35
